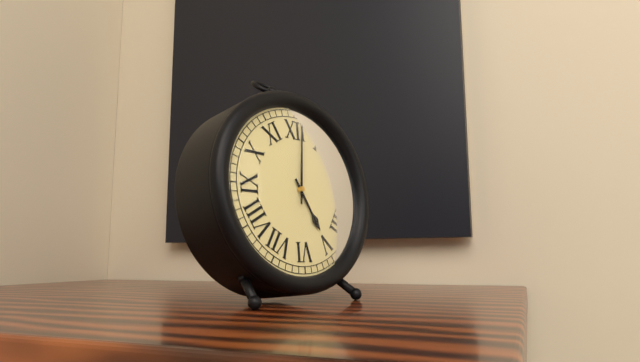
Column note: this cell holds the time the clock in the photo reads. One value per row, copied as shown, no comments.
5:01
